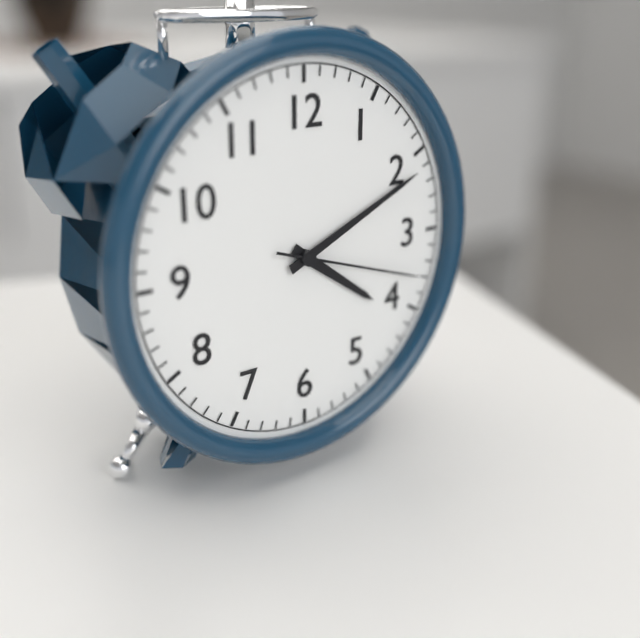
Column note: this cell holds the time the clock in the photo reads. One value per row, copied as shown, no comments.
4:11:18
